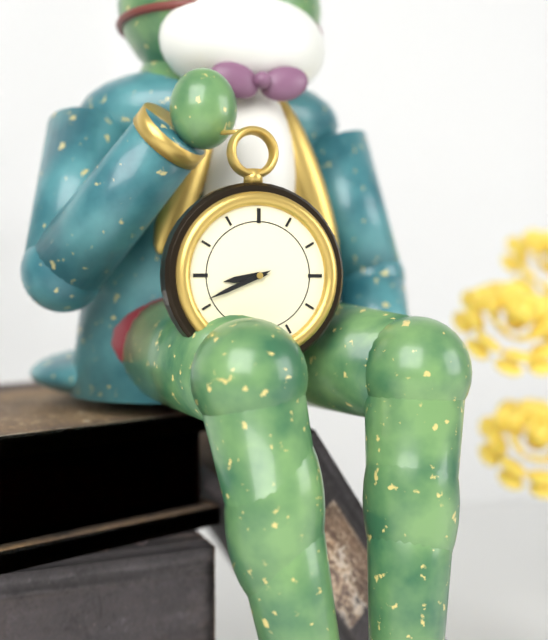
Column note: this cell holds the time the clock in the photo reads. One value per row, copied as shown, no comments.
8:41
